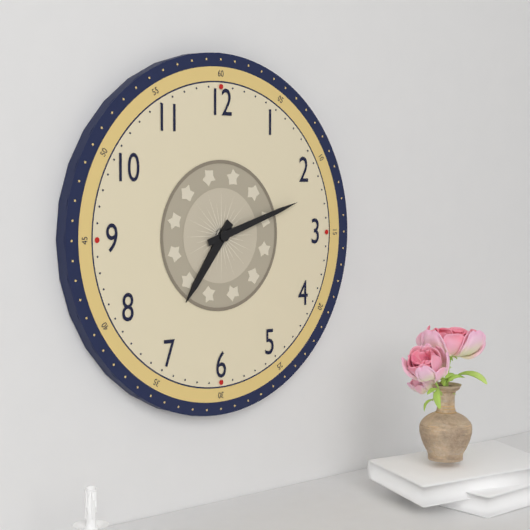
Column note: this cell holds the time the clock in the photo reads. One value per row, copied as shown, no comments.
7:12
